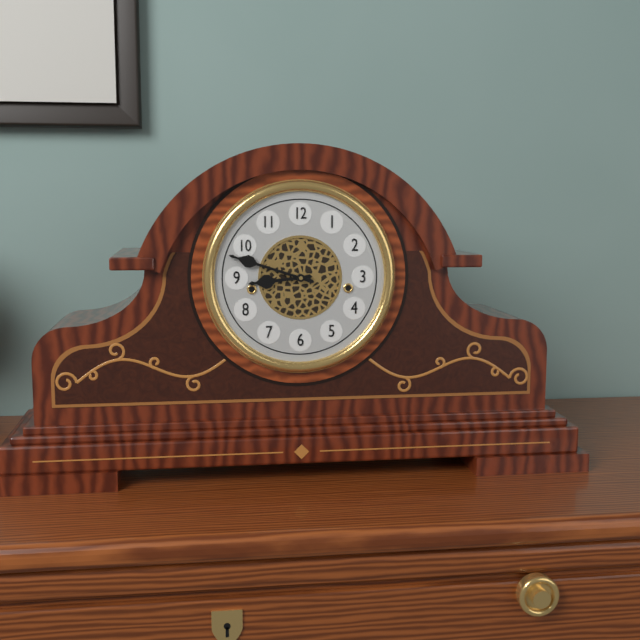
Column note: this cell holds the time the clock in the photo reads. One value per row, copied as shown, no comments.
8:48
